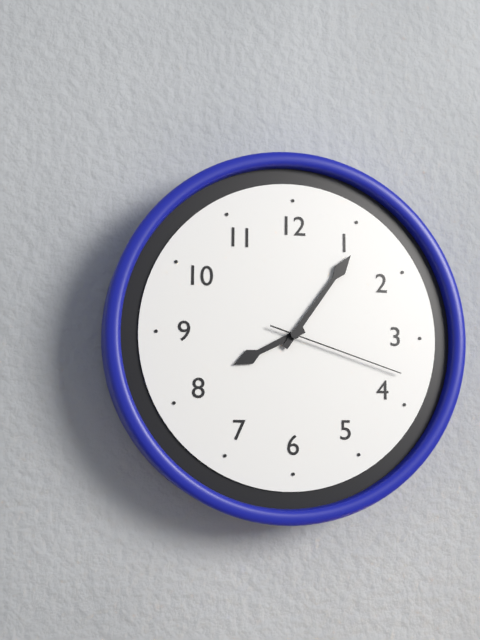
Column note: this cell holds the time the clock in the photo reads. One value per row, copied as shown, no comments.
8:06:18
